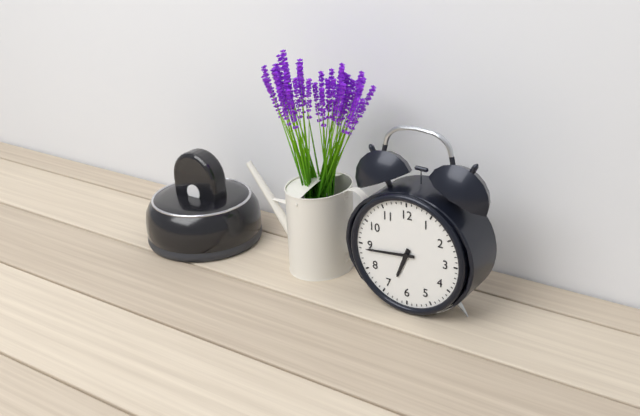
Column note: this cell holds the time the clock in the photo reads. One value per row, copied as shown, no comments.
6:44
